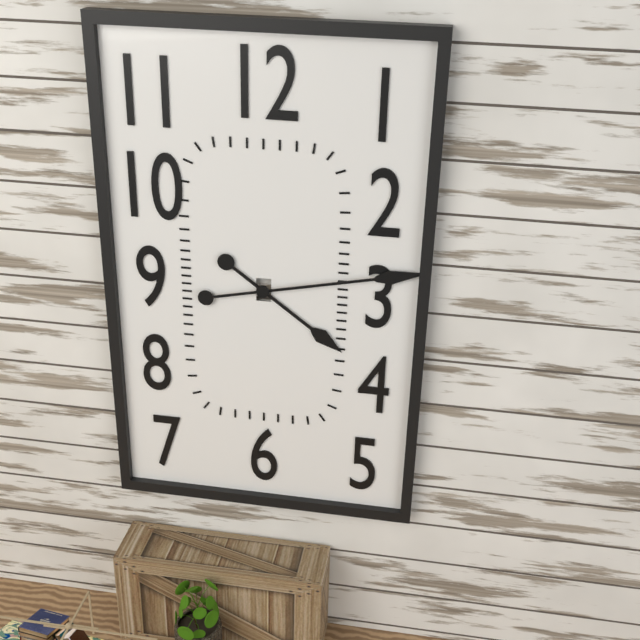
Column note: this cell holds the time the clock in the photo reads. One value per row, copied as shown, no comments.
4:13
